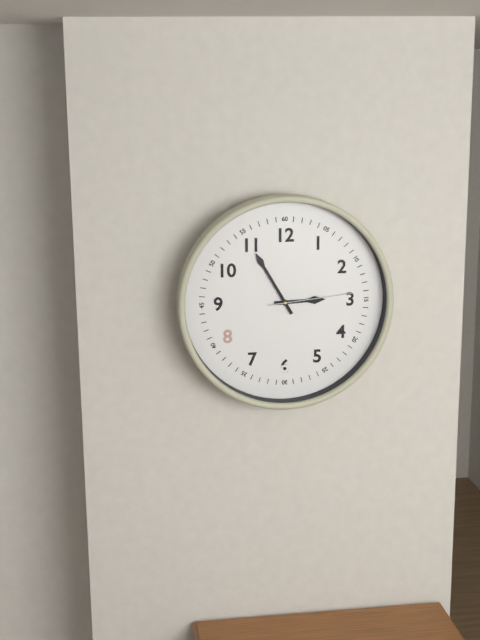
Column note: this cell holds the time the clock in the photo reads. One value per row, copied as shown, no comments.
2:55:14
